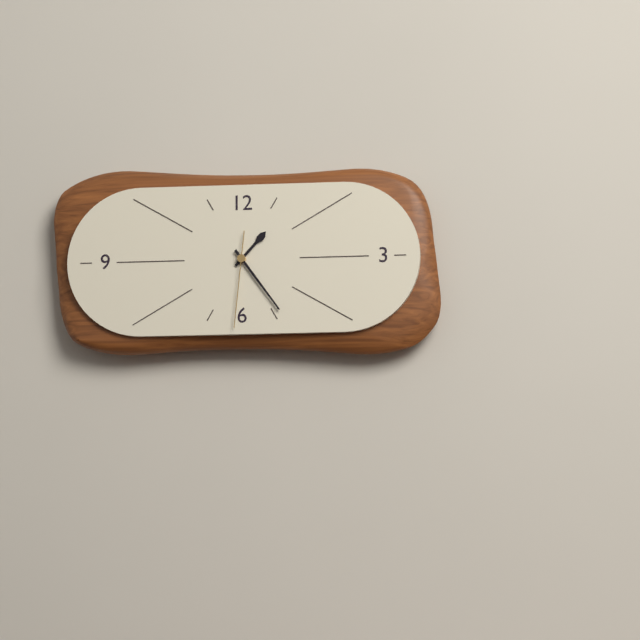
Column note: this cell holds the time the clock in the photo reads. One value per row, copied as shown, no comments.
1:24:31
